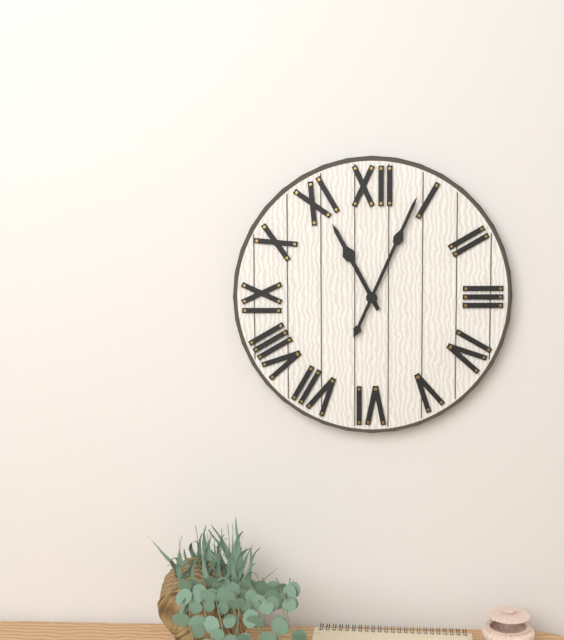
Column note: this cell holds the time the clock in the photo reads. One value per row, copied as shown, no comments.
11:04
